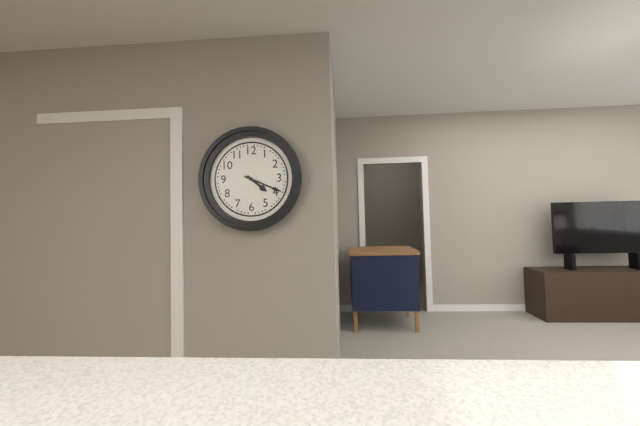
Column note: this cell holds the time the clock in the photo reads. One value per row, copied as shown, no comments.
4:19
